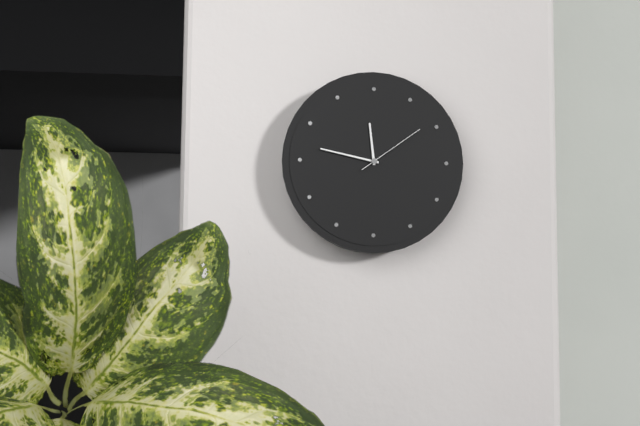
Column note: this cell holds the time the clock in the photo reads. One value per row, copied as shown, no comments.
11:47:09
